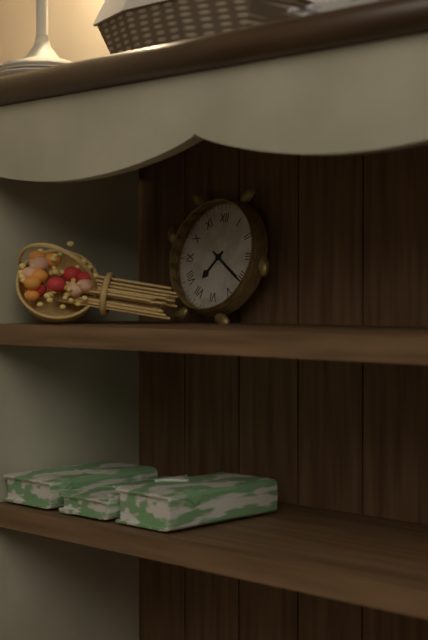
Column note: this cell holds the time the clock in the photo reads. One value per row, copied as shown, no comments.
7:21
